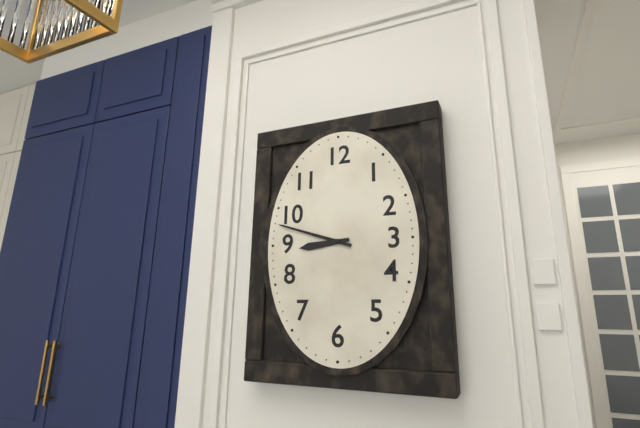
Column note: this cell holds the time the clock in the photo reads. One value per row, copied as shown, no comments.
8:48
